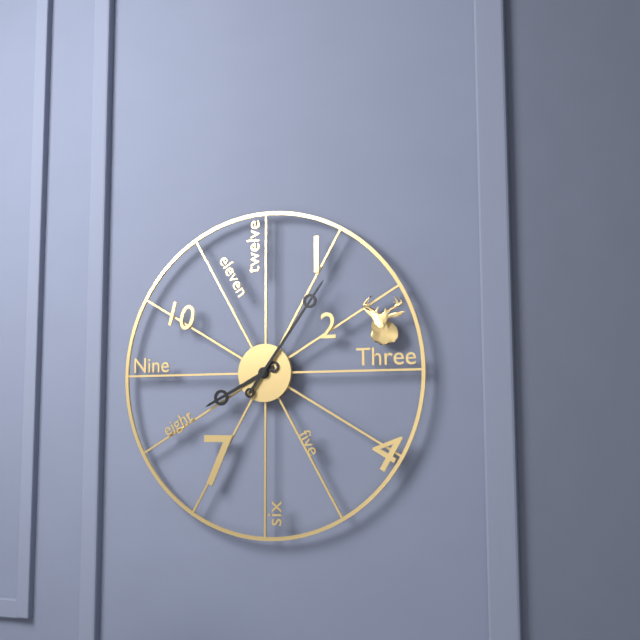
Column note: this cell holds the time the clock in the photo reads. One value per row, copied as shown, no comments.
8:06
